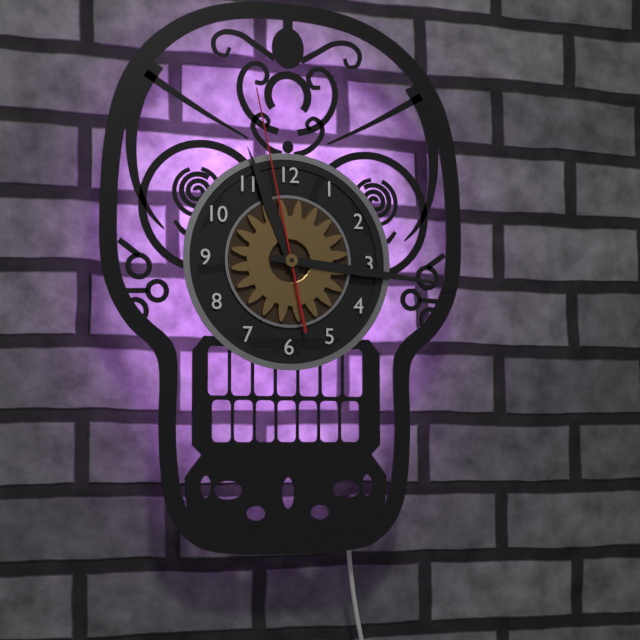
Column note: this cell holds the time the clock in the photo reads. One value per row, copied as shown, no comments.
11:16:58
